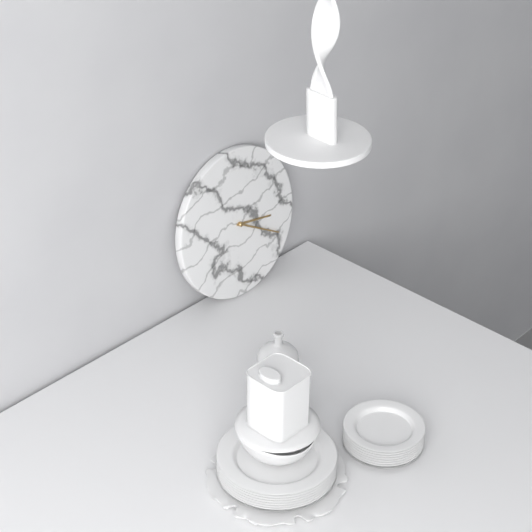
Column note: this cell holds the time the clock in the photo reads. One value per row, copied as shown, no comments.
3:20
